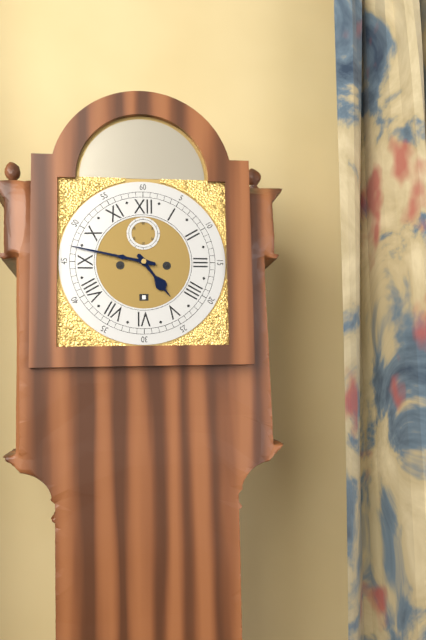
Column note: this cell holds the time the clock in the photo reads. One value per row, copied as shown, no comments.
4:47
